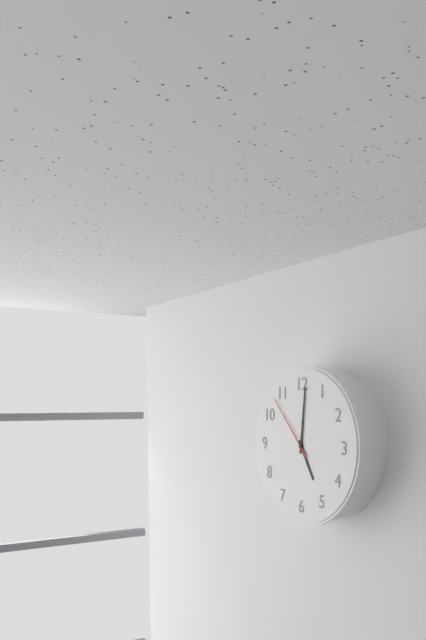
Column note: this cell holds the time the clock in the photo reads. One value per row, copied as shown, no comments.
5:01:53
